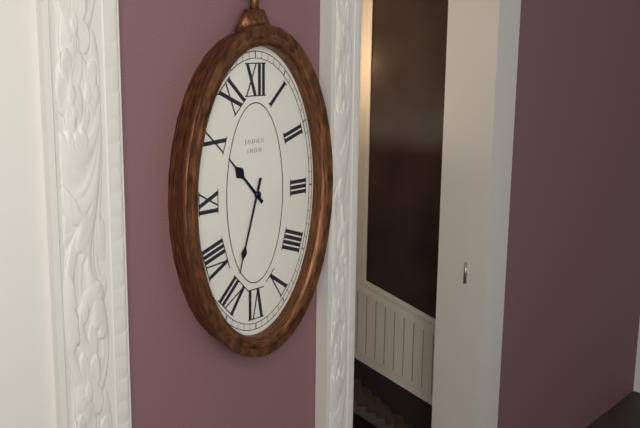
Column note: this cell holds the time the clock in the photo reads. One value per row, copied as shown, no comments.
10:33
